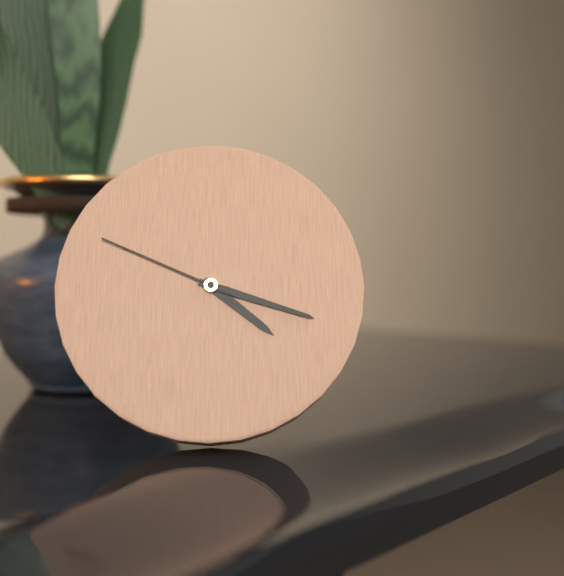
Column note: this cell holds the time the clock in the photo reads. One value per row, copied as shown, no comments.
4:18:49
